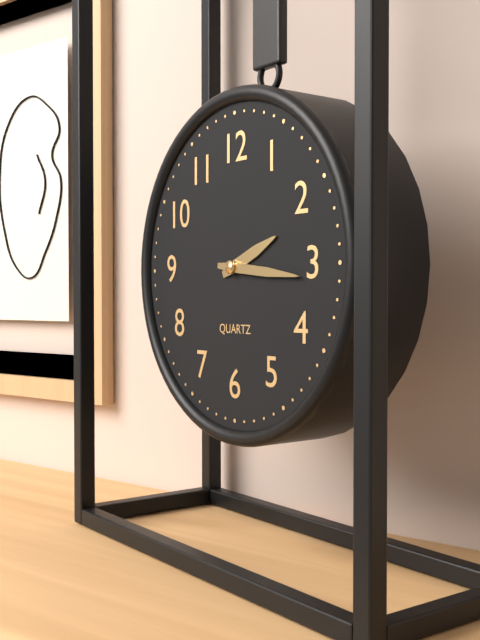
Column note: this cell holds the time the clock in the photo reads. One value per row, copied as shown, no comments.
2:16
